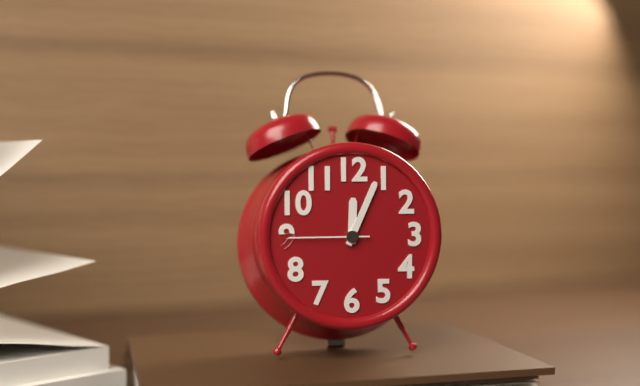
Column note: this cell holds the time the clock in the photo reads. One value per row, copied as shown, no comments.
12:04:45
